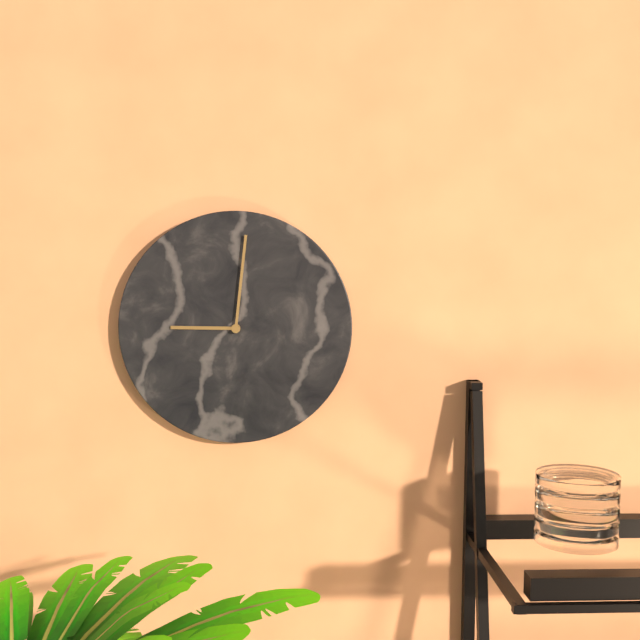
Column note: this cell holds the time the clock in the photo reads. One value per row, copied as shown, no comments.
9:01
